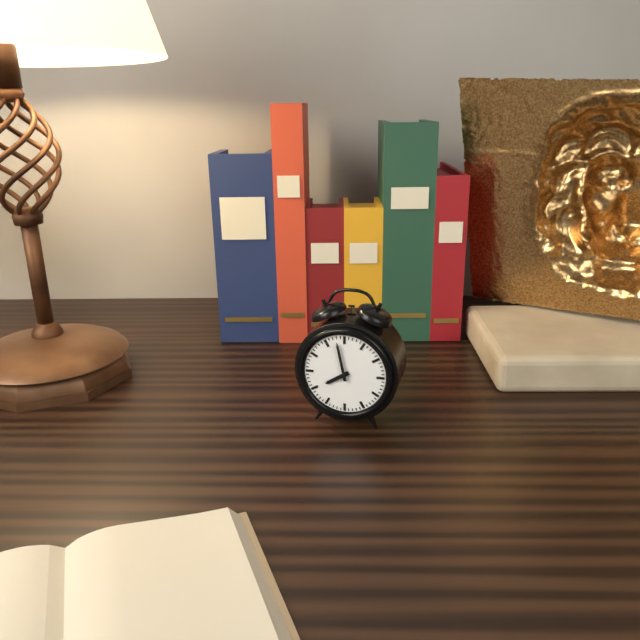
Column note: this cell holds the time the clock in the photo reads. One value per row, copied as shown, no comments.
7:58
